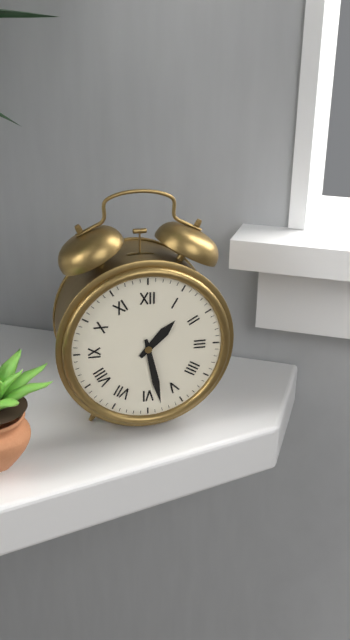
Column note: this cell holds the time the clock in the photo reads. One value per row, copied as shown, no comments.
1:28
